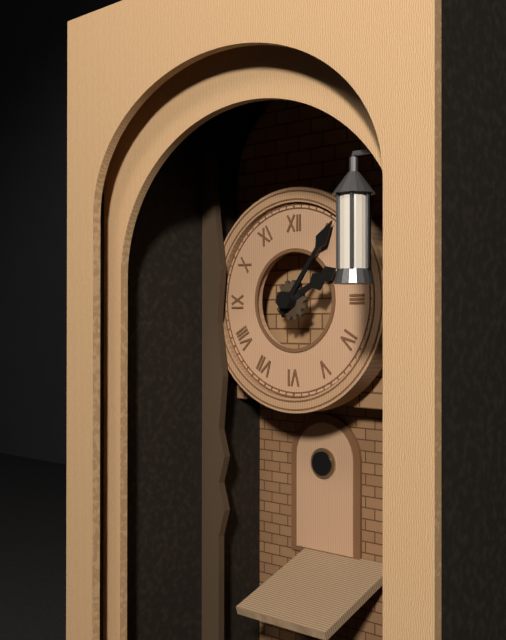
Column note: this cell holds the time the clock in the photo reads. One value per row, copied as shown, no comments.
2:06
